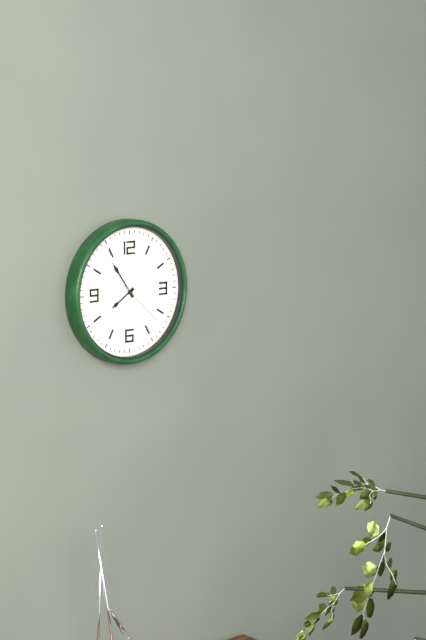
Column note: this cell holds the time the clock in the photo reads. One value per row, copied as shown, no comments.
7:54:22
